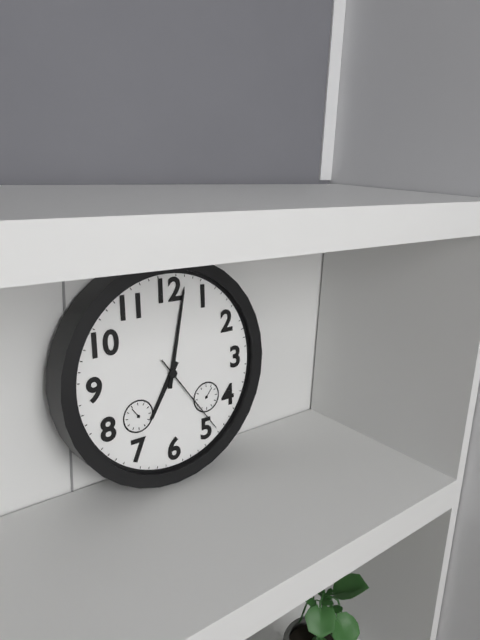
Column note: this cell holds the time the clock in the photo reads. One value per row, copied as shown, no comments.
7:02:24
